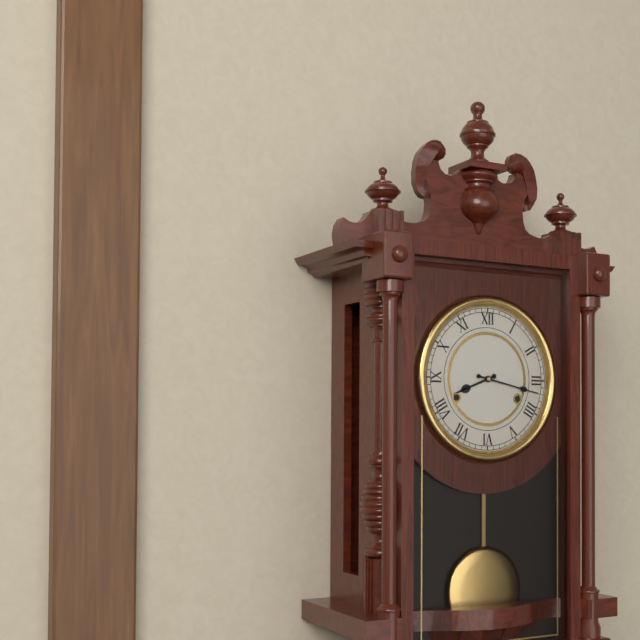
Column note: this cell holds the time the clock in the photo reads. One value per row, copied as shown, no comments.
8:17
